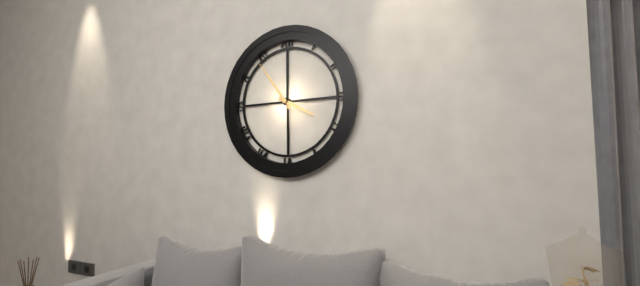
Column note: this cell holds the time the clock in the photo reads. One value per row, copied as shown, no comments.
3:54
